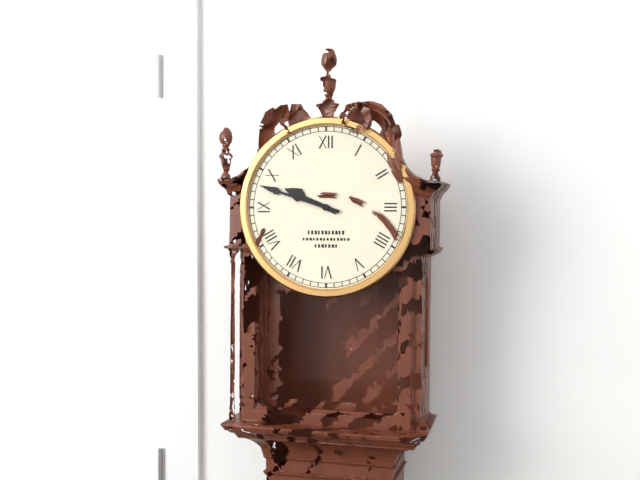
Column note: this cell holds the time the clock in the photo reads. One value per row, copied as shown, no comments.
9:48
